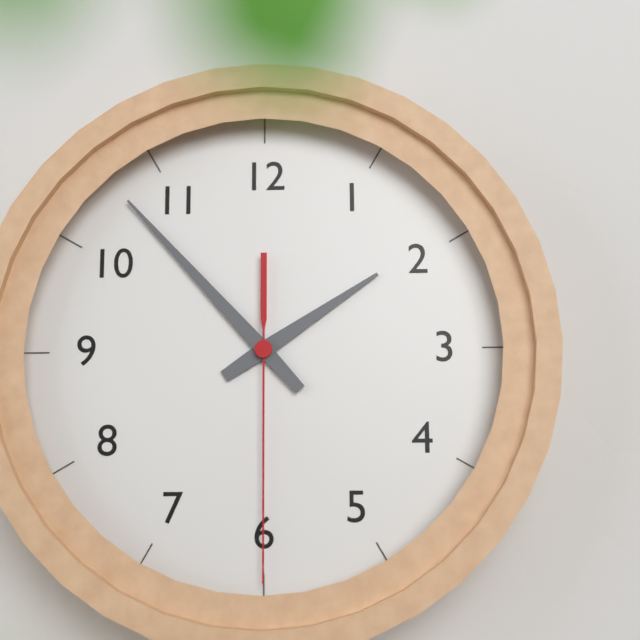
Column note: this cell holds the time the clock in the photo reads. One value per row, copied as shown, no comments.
1:53:30
